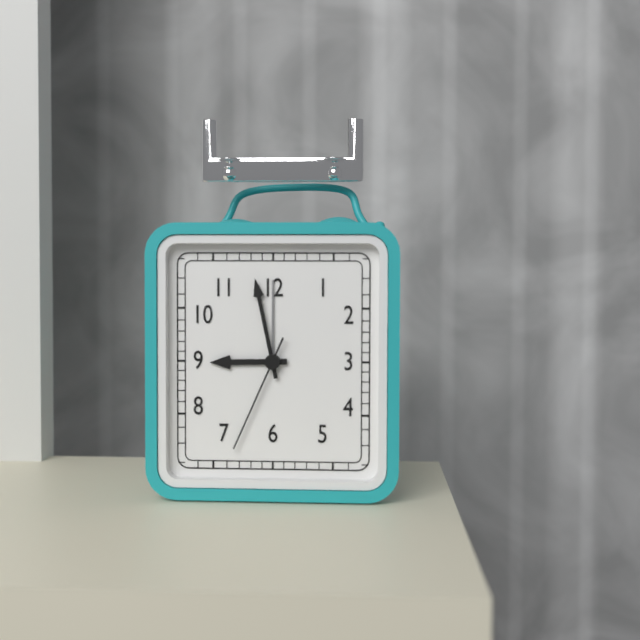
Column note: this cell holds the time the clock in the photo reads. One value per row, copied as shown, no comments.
8:58:34
